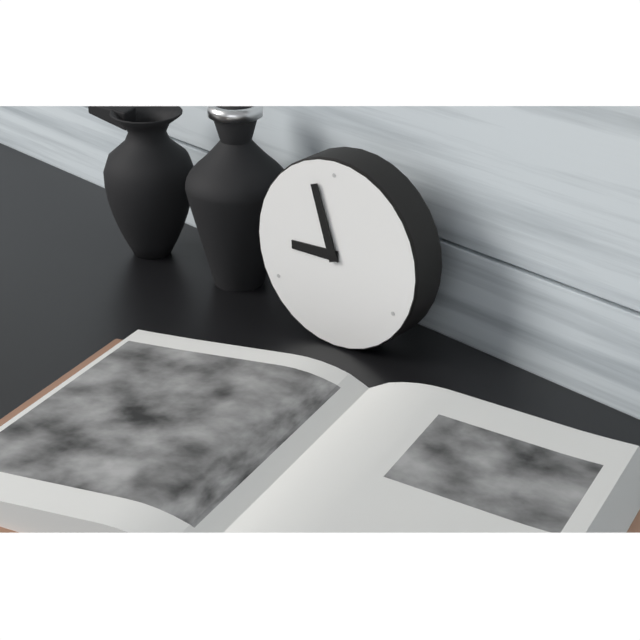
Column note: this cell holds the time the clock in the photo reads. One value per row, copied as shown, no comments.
8:57
